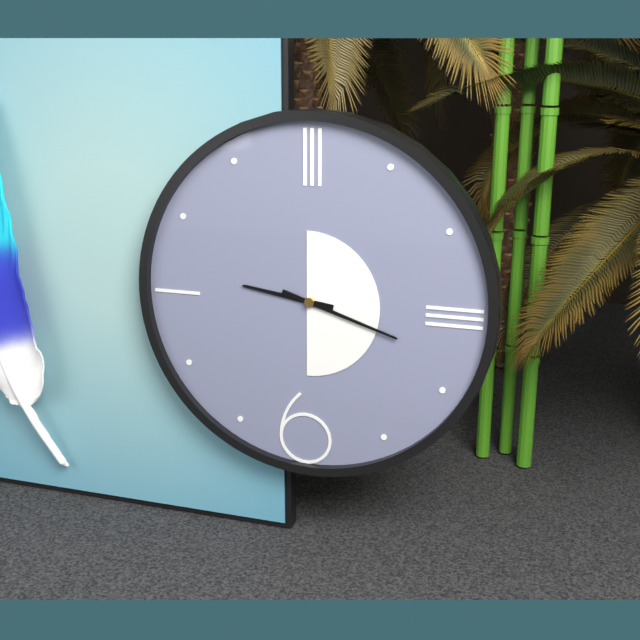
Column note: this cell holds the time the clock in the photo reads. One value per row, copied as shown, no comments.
9:18
